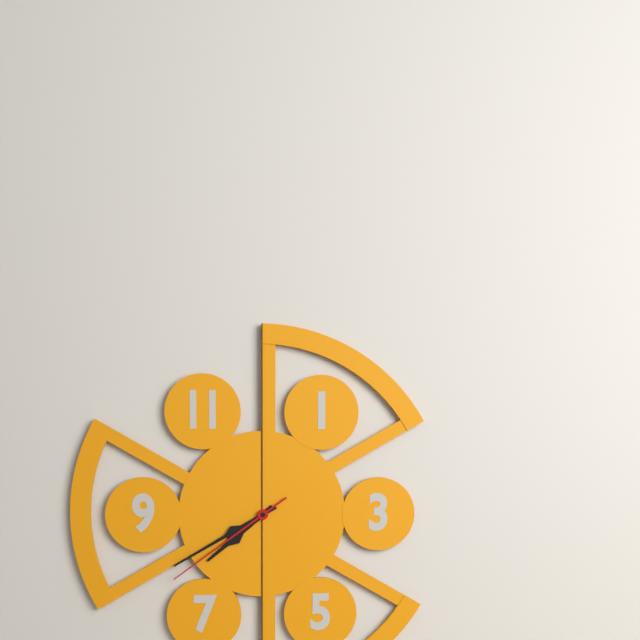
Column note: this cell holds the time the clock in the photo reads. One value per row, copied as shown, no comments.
7:40:39
